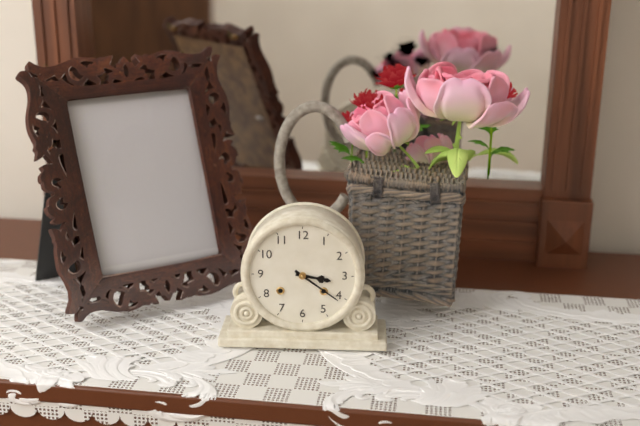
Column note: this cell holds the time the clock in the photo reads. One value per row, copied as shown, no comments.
3:21
